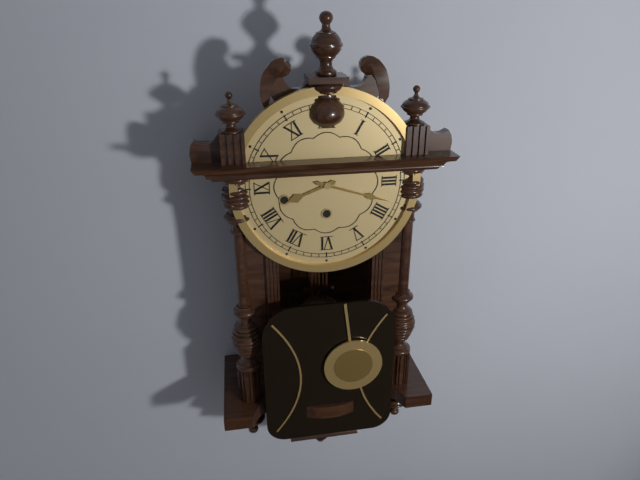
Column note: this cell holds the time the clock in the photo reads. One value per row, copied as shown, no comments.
8:18
